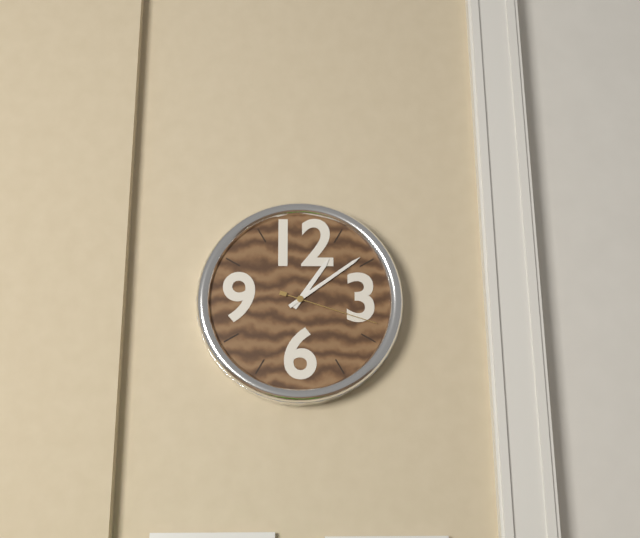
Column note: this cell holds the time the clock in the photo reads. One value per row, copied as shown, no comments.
1:09:18
